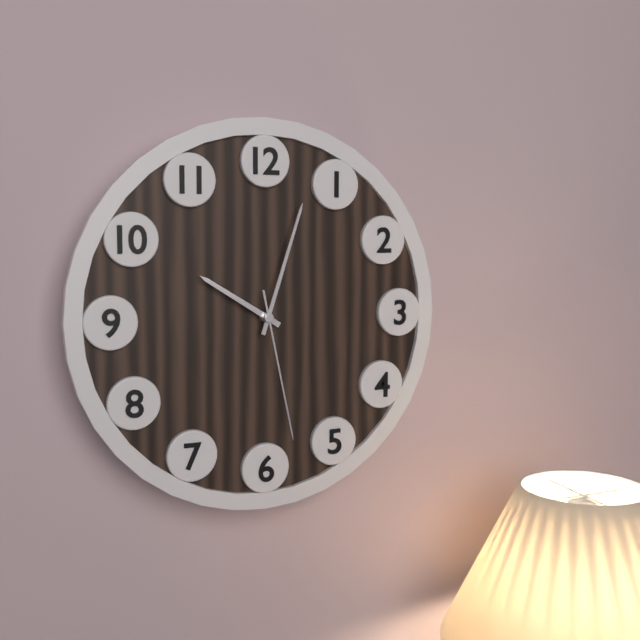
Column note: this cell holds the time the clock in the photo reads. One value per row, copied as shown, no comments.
10:03:28
